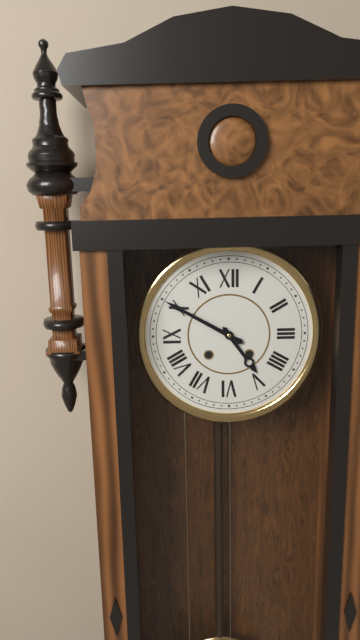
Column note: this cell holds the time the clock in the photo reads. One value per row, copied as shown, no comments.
4:50
